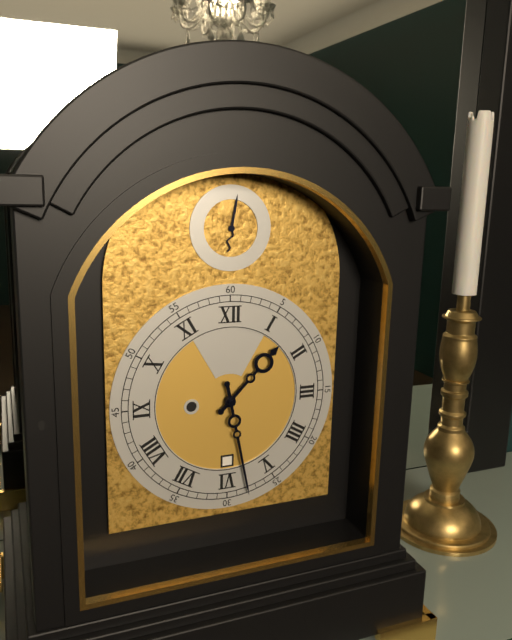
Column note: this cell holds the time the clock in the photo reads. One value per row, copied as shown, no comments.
1:28
